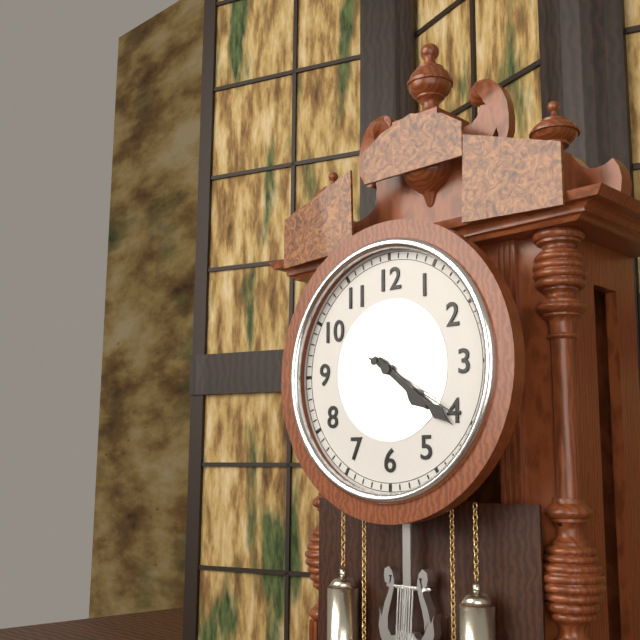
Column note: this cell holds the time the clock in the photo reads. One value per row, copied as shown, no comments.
4:21:20
